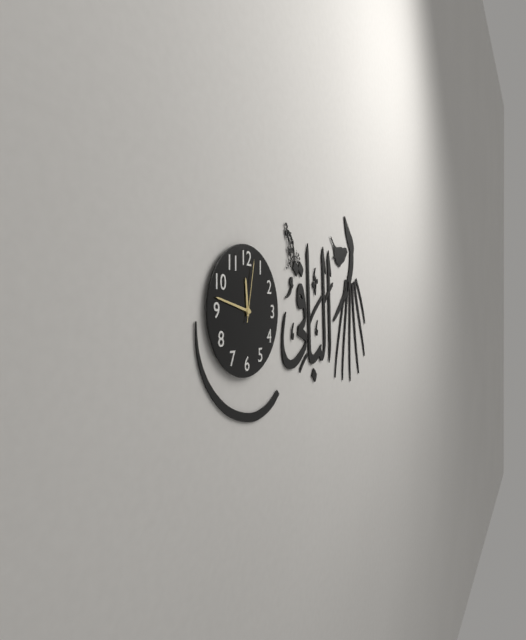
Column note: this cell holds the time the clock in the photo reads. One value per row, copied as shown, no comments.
11:47:02
